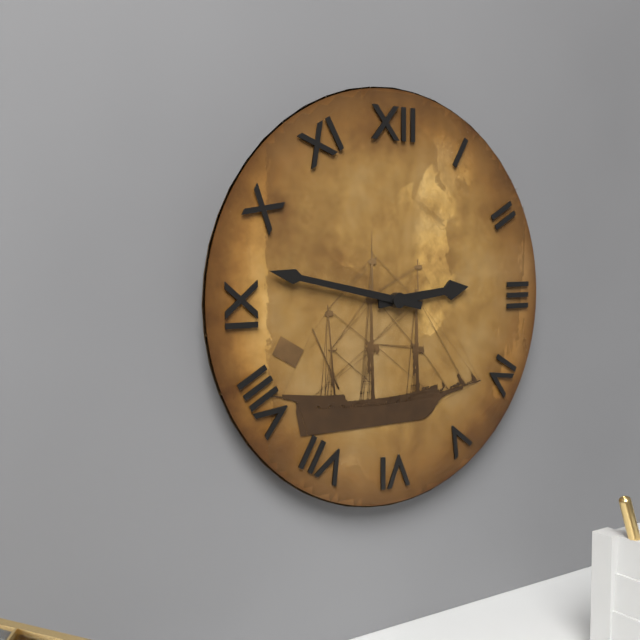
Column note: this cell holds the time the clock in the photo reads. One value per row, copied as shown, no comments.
2:47
